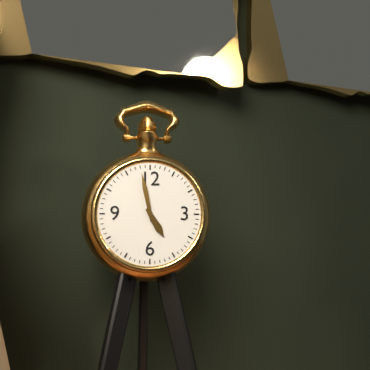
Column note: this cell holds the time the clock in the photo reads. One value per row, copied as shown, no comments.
4:58
